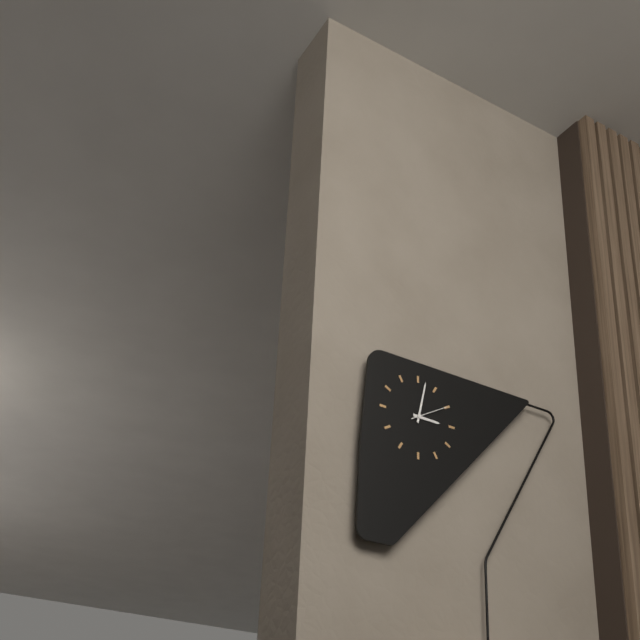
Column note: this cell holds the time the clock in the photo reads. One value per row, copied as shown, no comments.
3:02:10
